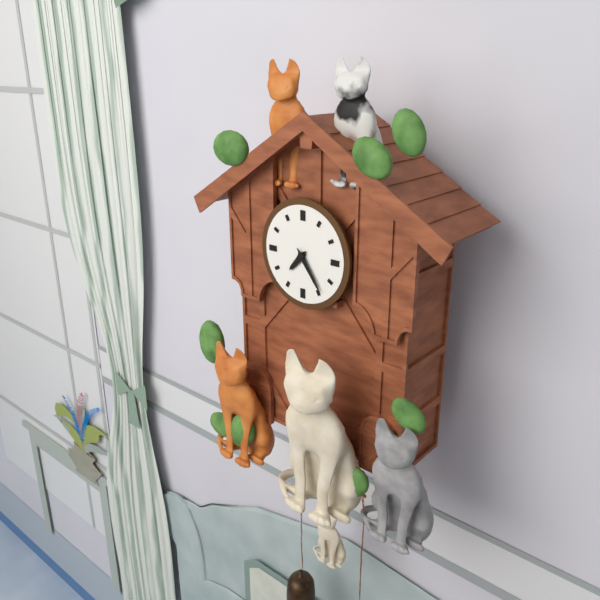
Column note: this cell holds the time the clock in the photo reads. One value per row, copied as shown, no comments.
7:24
